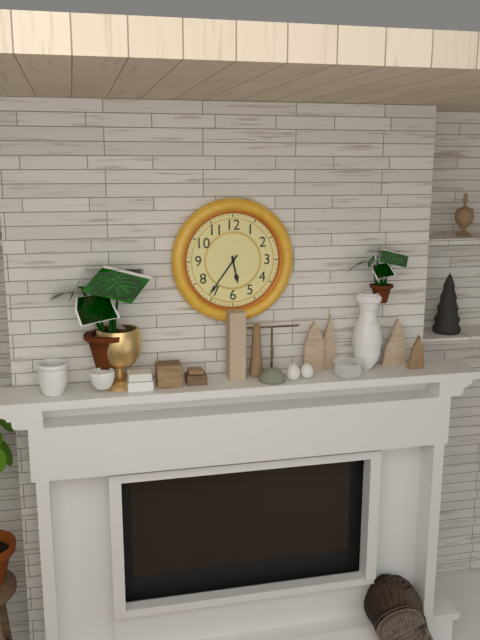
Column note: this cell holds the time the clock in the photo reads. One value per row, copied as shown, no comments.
5:36
